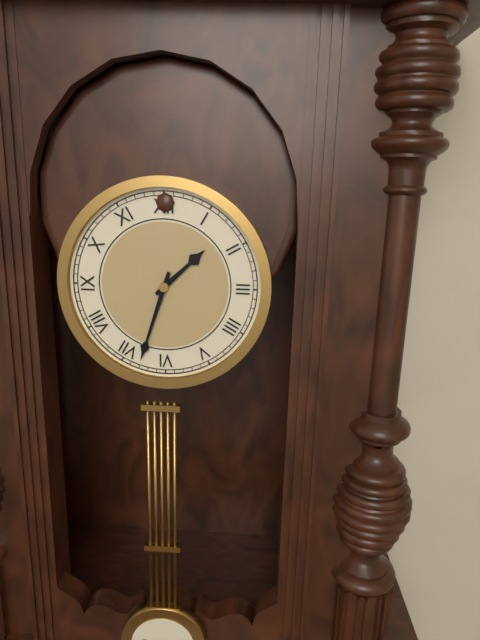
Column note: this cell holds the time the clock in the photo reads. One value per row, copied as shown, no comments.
1:33
